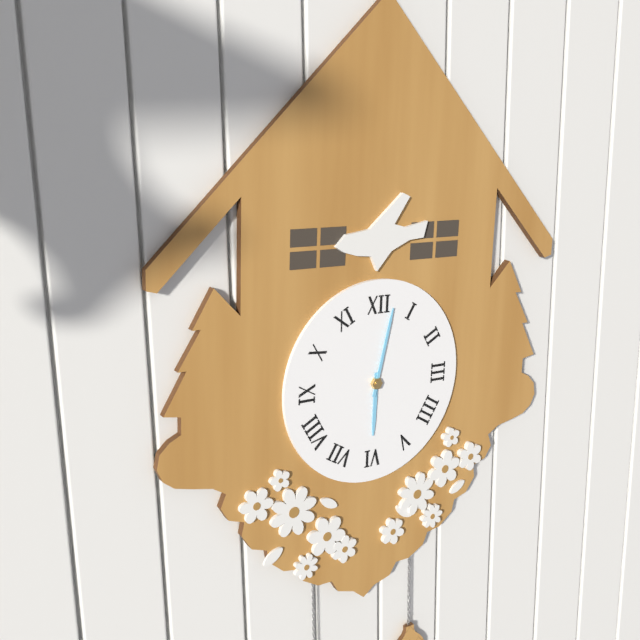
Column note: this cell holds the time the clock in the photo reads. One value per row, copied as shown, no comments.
6:02
